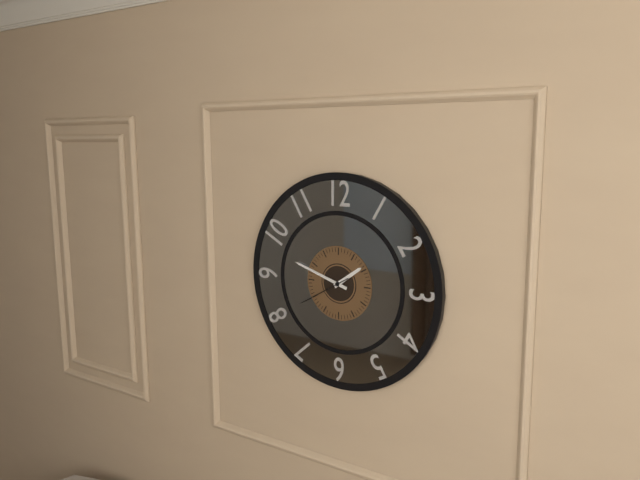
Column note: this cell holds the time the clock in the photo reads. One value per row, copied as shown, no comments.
1:48:40
